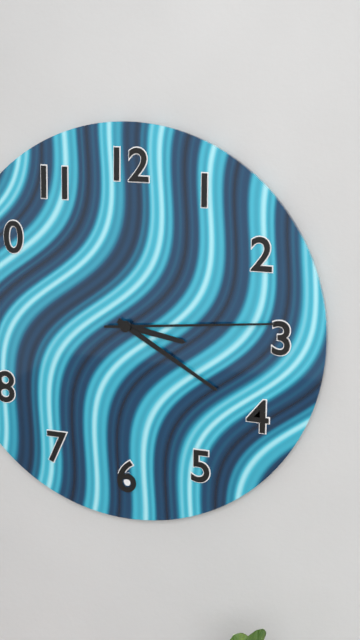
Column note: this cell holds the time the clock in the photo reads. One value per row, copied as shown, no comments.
3:20:14
